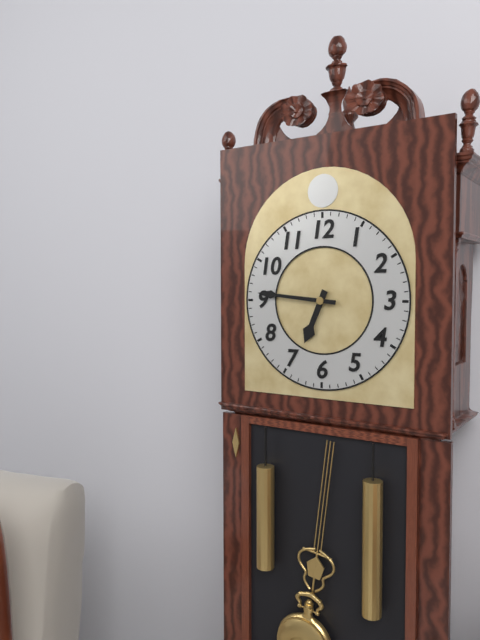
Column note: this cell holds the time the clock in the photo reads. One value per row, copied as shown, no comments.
6:46
